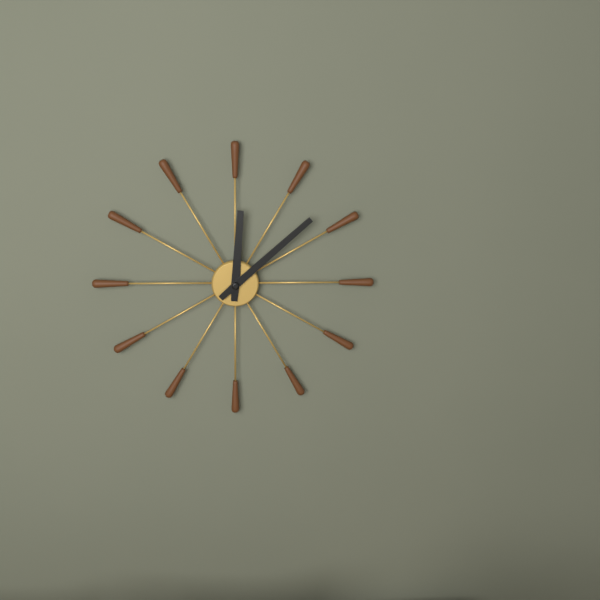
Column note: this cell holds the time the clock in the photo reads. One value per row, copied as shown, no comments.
12:08
